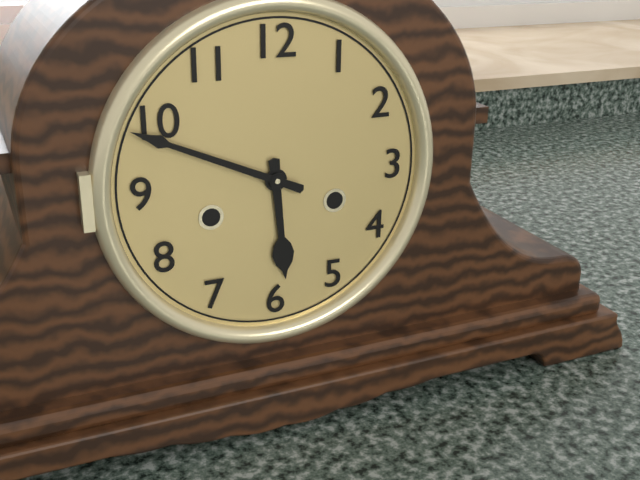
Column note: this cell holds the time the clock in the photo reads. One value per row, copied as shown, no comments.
5:49
